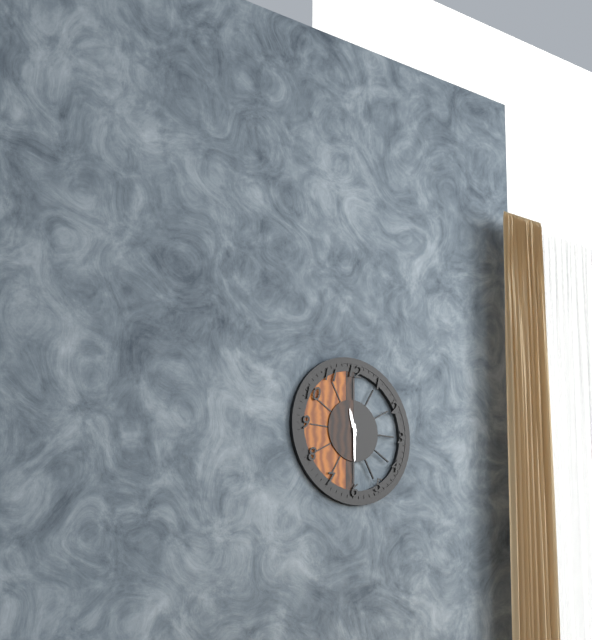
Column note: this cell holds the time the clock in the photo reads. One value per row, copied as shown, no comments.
11:30
